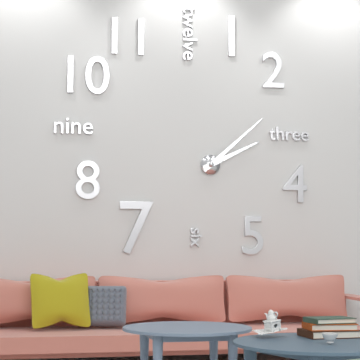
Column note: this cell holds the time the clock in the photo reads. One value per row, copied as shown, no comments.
2:08
